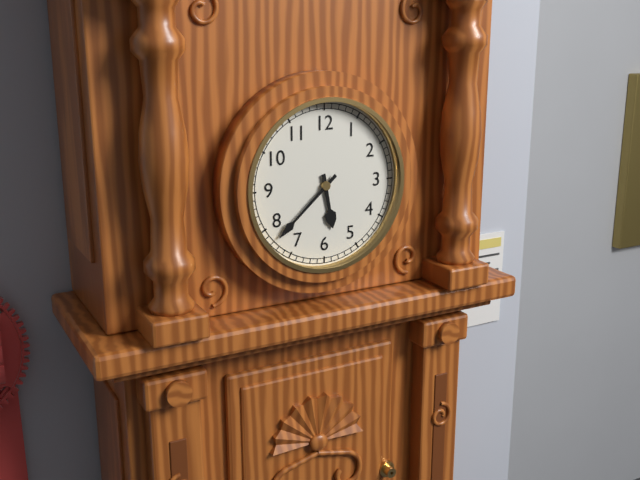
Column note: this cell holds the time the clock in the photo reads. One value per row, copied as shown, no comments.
5:38
